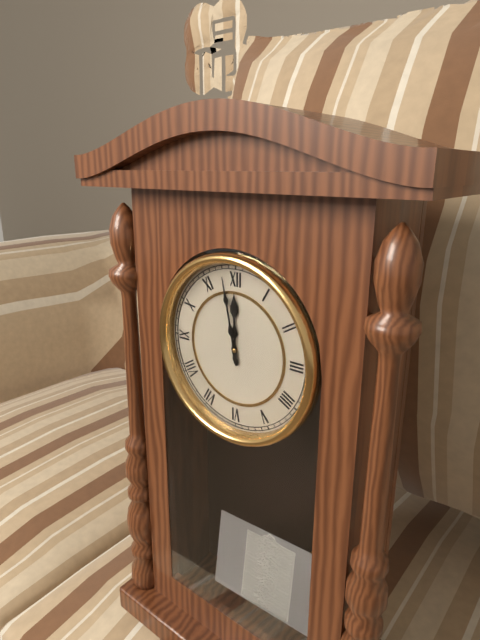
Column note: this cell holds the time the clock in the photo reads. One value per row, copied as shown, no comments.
11:58
